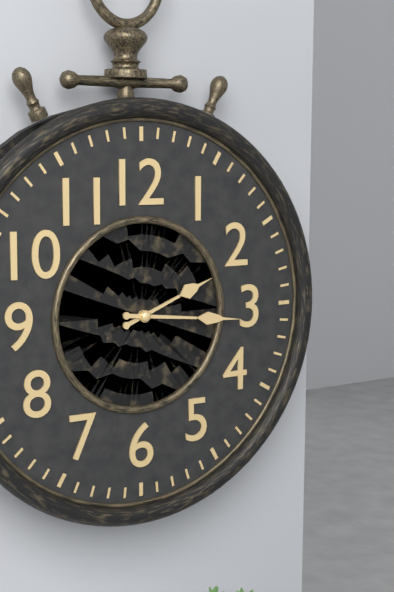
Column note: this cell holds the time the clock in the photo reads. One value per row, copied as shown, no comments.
2:16
